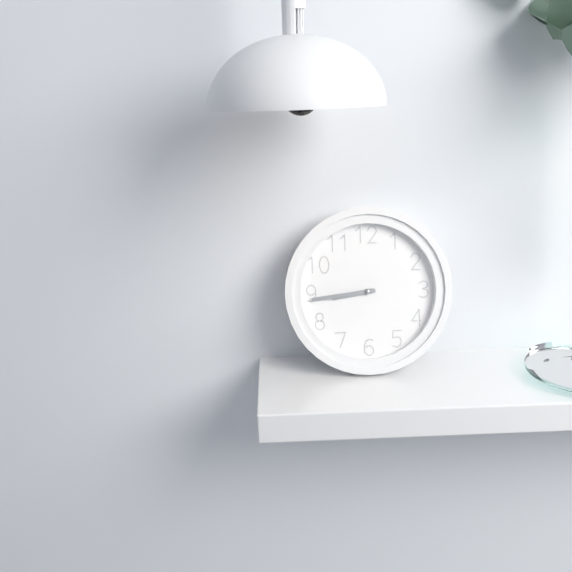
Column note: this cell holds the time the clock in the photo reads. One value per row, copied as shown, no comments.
8:44
